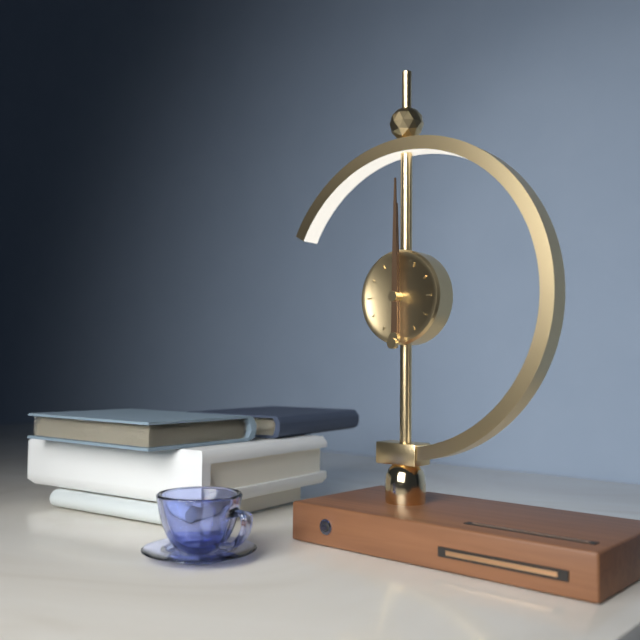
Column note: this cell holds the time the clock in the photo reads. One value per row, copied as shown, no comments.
12:00
